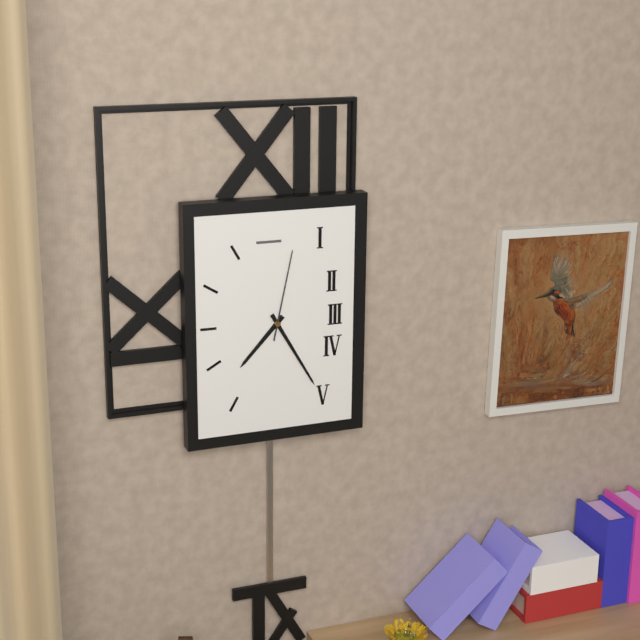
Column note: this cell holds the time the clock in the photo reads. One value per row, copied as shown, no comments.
7:25:02
